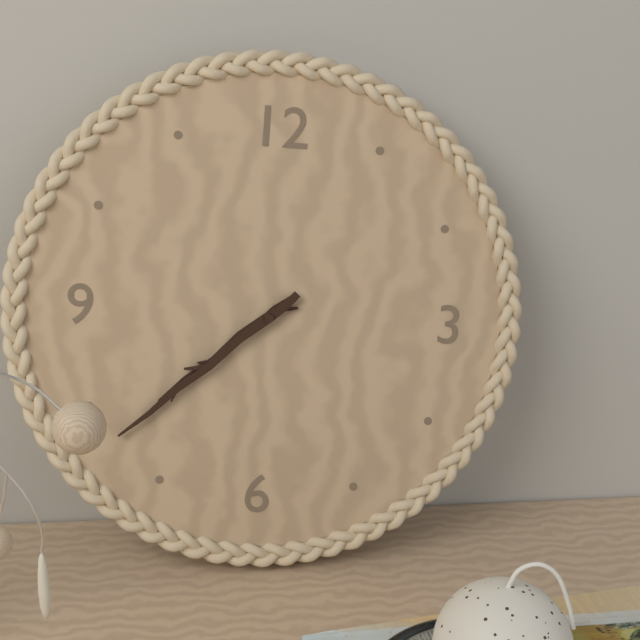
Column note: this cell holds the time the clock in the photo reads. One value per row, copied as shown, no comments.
7:38
